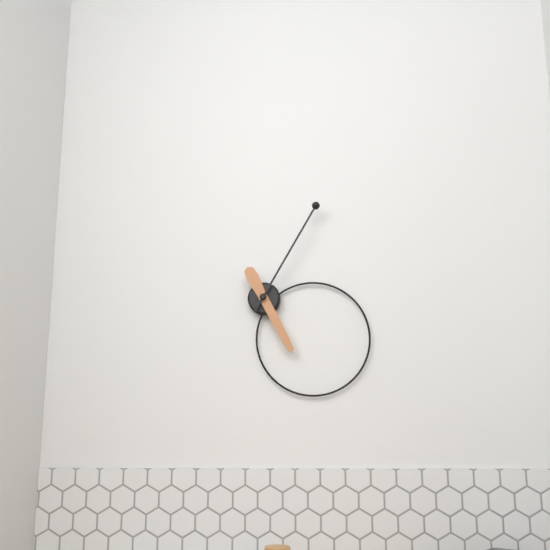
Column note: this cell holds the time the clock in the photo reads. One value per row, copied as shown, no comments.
5:05
